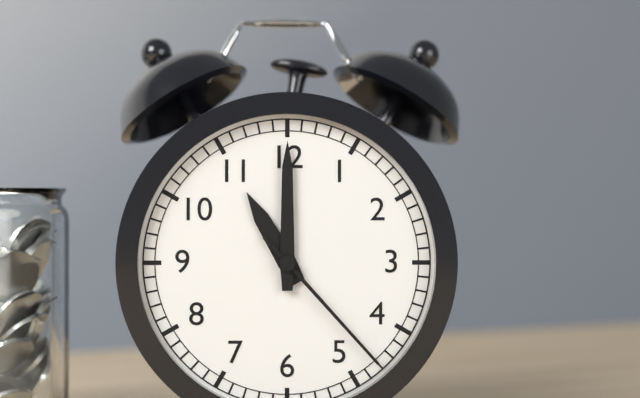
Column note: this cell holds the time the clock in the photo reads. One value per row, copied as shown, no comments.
11:00:23
